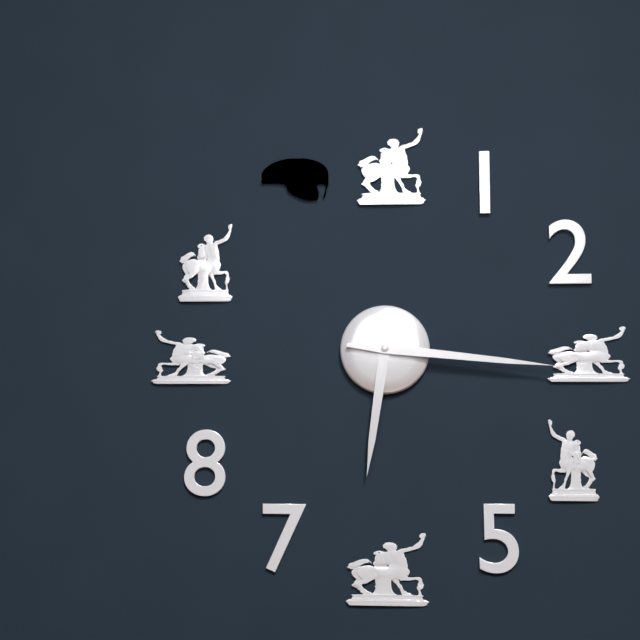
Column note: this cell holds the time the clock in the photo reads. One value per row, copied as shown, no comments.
6:16
